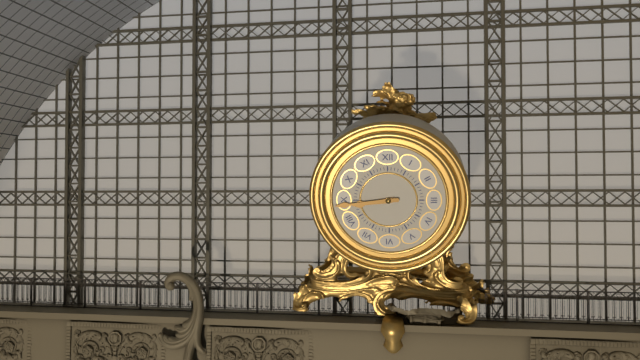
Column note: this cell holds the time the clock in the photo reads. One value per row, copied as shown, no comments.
8:44
